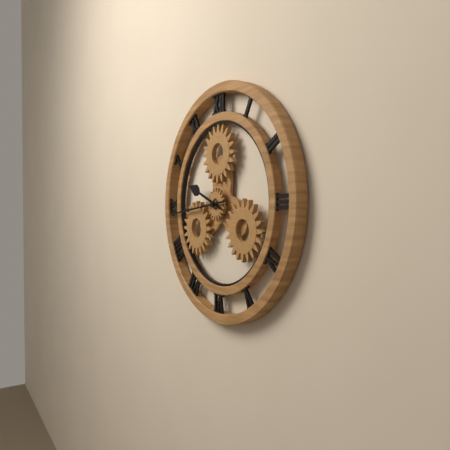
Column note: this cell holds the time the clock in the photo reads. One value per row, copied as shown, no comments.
9:44
